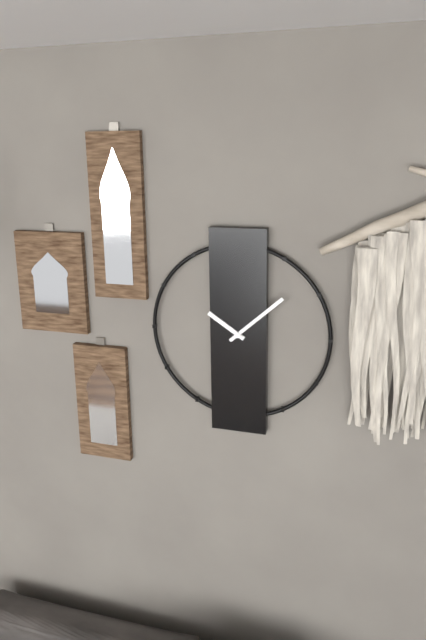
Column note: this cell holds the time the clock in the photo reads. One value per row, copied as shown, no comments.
10:08
